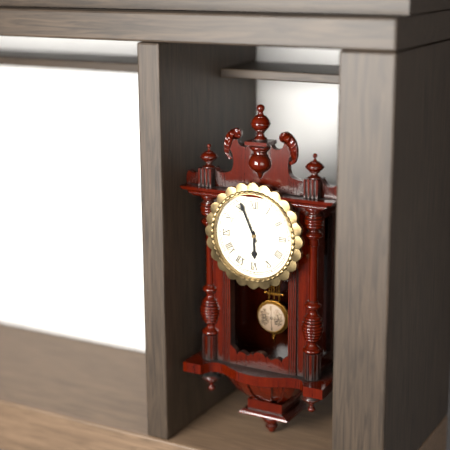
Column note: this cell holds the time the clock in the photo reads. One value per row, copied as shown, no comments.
5:56
